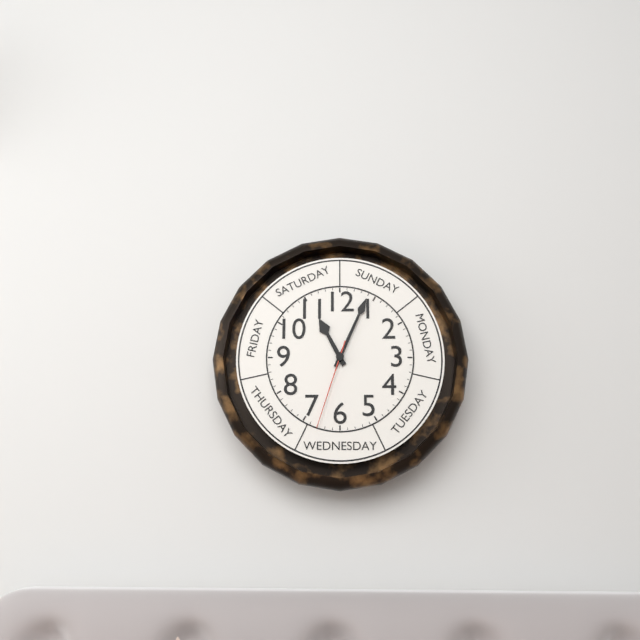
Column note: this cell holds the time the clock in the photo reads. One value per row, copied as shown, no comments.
11:04:33
